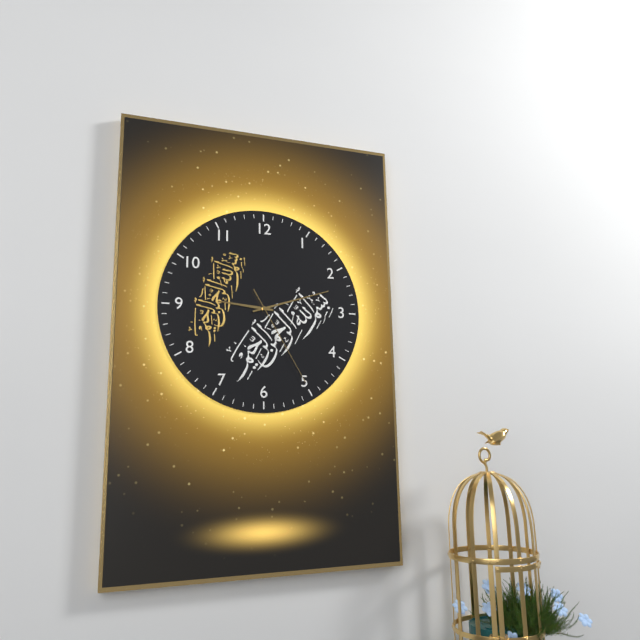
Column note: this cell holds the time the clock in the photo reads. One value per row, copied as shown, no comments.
9:12:25
